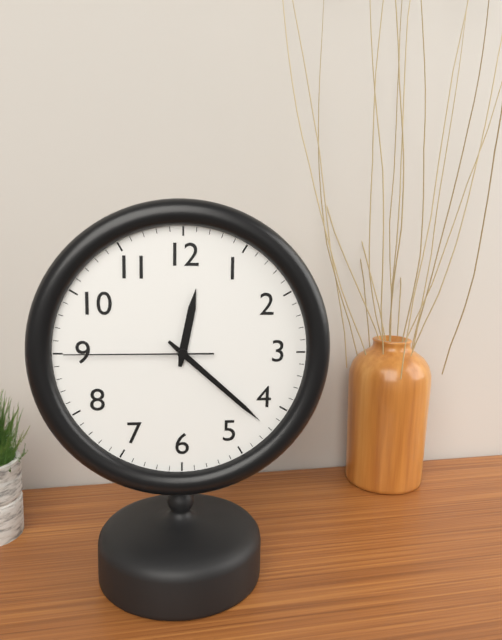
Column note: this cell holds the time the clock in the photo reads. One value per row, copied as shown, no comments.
12:22:45
